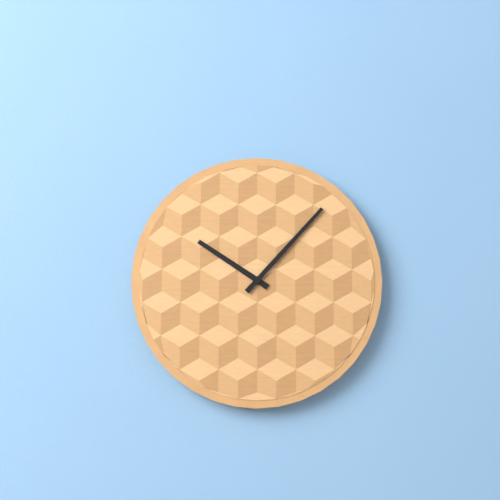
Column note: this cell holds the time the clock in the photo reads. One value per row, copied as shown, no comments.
10:07
